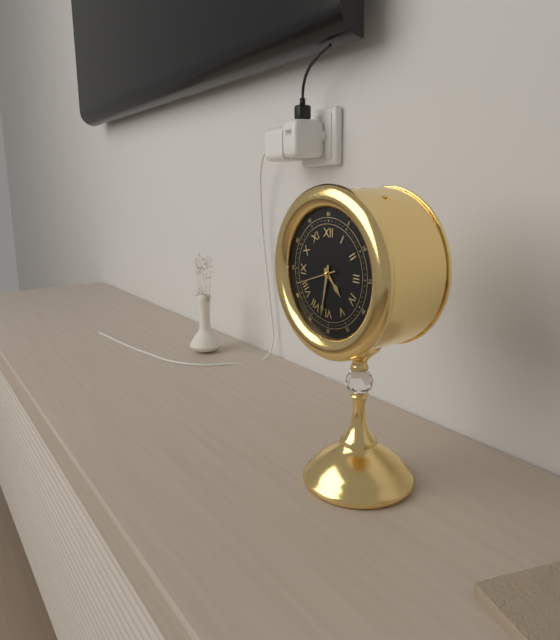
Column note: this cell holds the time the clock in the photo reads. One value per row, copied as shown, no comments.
4:32
